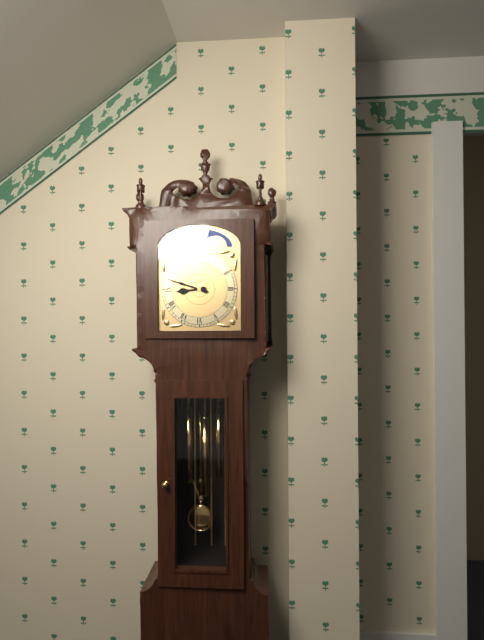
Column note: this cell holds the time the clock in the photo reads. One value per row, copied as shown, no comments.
8:48
